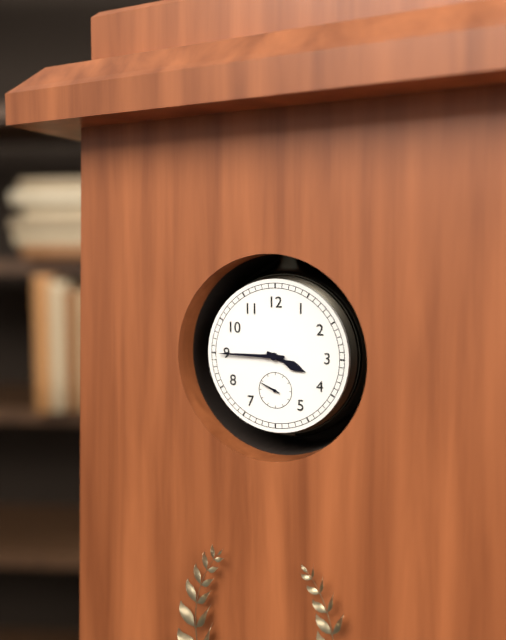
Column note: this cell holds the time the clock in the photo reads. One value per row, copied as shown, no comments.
3:45
